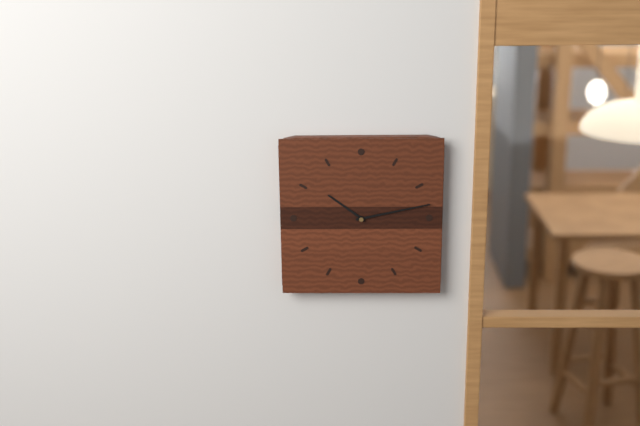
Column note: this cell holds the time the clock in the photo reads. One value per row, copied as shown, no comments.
10:13
